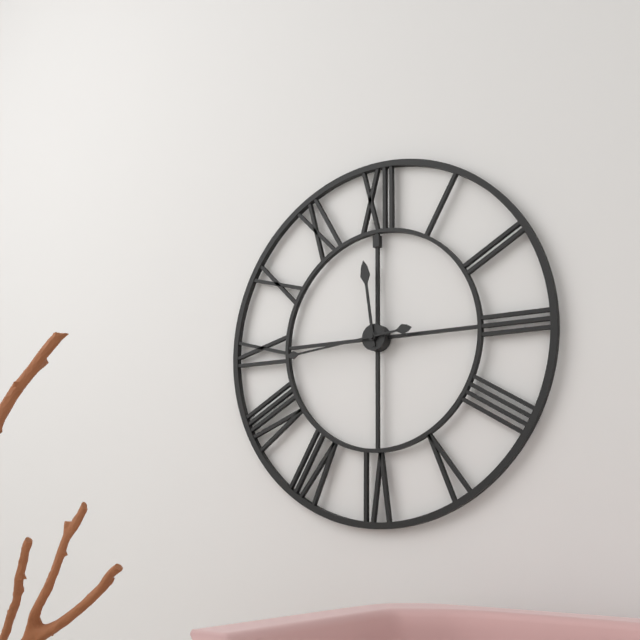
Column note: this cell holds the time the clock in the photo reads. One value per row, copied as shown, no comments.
11:44
